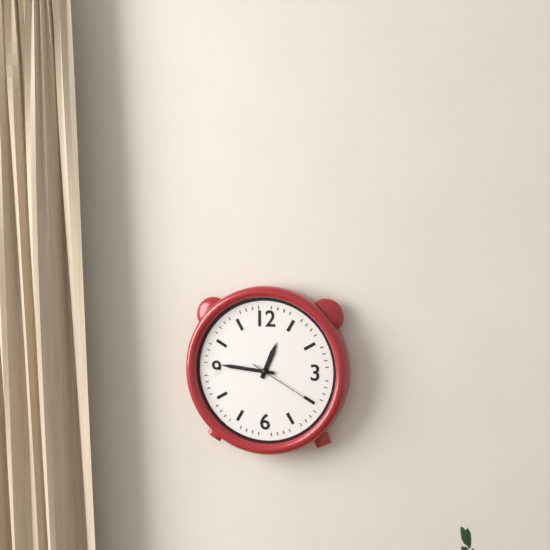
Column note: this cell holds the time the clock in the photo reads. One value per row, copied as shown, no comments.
12:46:20
